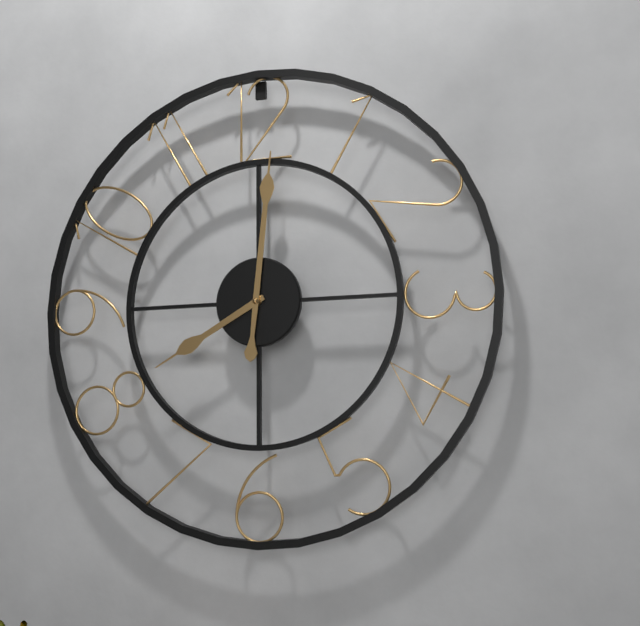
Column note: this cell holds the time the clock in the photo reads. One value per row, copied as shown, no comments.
8:01
